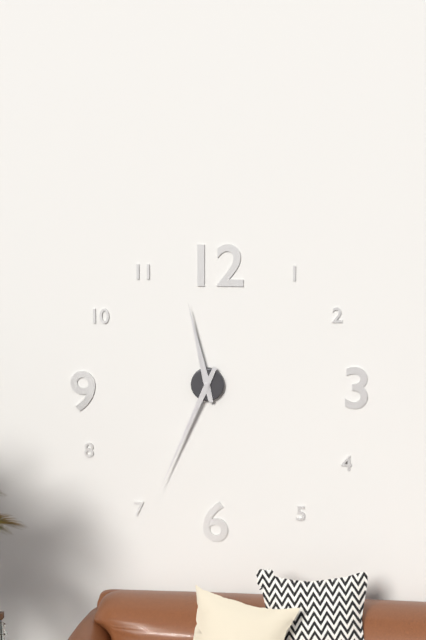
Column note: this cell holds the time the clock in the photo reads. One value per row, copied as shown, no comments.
11:34
